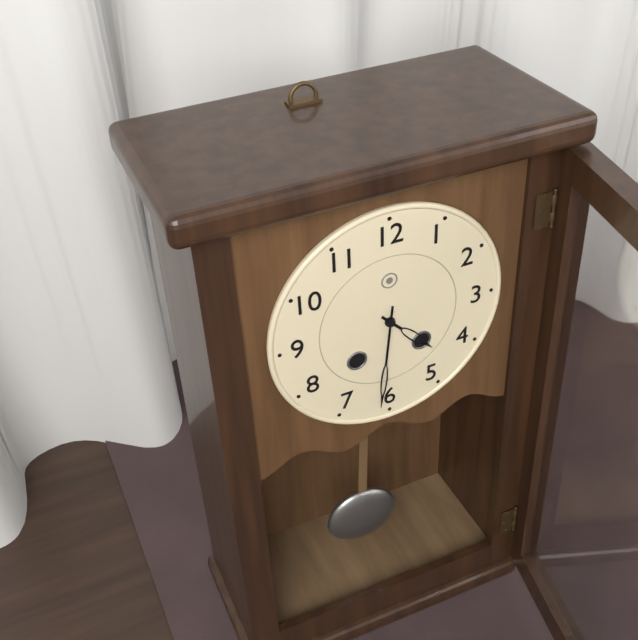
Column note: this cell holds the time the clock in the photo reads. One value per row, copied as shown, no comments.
4:31
